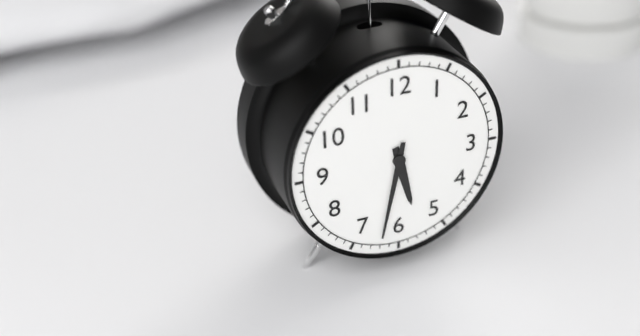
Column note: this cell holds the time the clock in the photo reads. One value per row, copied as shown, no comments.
5:32
